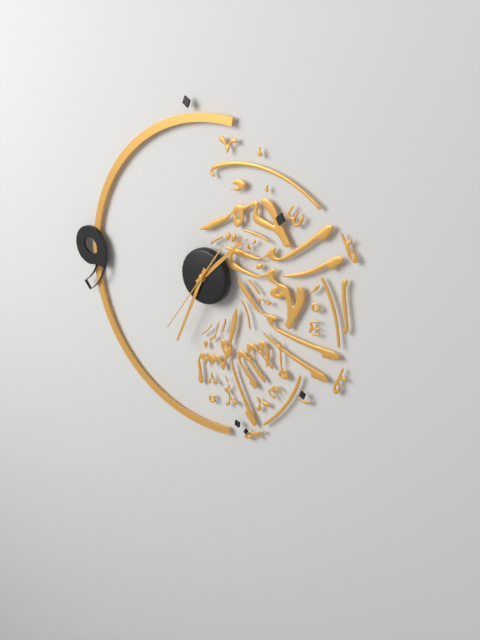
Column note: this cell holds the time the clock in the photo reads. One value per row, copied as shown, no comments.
1:34:36
